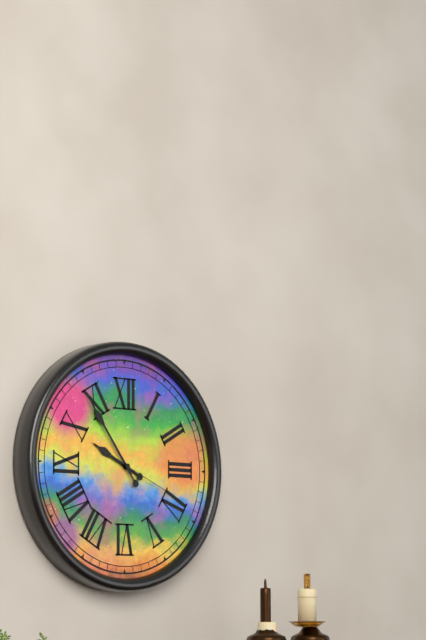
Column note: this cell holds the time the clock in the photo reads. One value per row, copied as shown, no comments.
9:54:19
